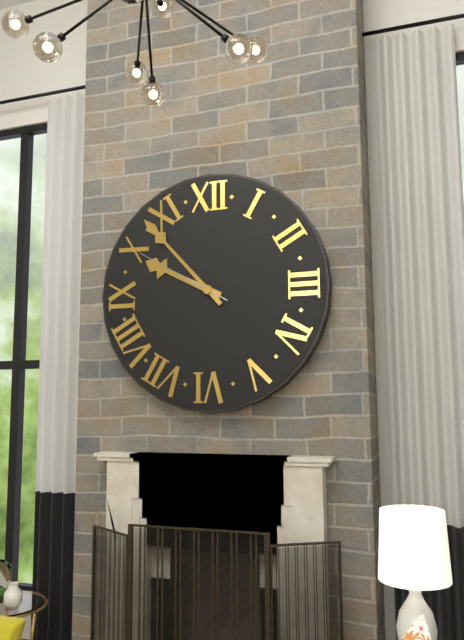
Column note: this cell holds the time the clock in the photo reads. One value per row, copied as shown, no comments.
9:53:50
